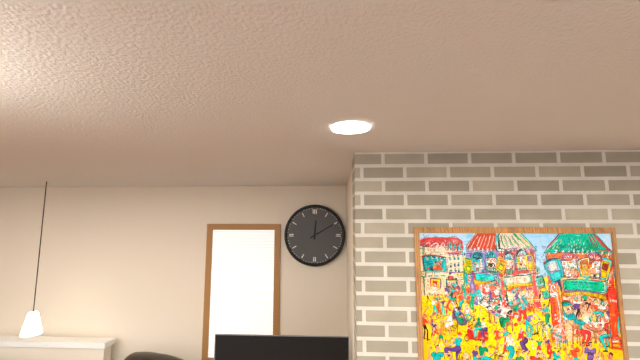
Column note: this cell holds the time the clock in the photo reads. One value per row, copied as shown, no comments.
12:10
